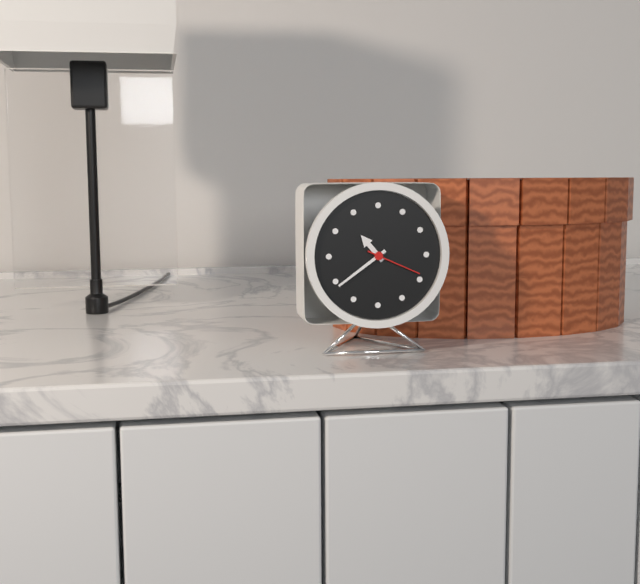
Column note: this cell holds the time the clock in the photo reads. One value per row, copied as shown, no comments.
10:39:19
